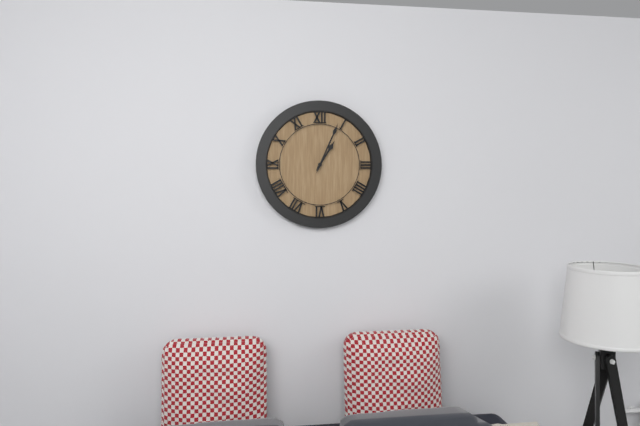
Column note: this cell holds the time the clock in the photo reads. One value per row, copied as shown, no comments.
1:04
